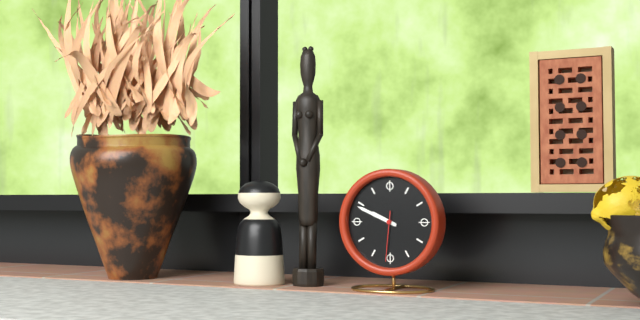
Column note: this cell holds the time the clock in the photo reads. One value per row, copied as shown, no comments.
9:49
